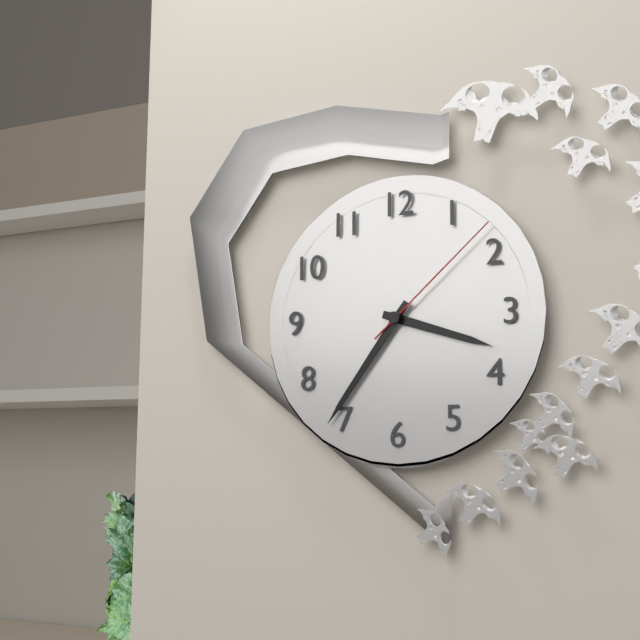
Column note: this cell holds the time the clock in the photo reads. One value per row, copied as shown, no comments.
3:36:08
